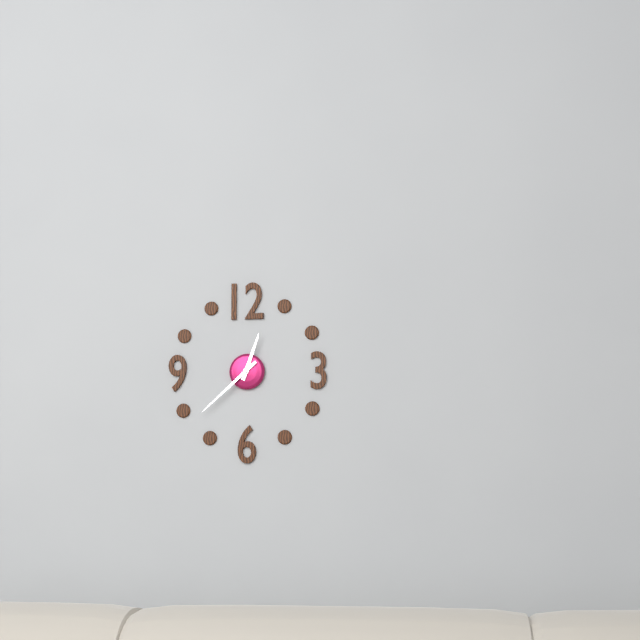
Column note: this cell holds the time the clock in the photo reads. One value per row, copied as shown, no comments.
12:38
